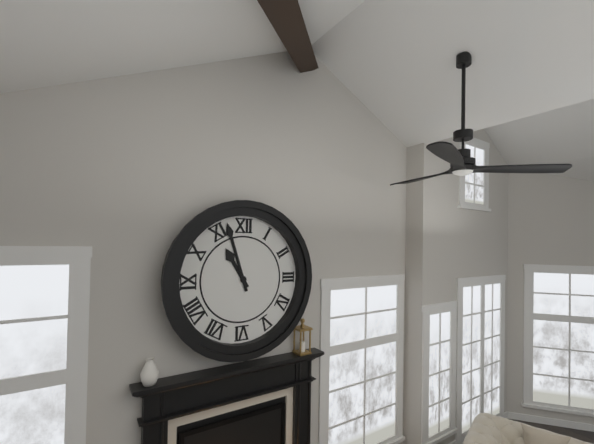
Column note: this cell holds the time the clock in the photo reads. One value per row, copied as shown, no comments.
10:57
